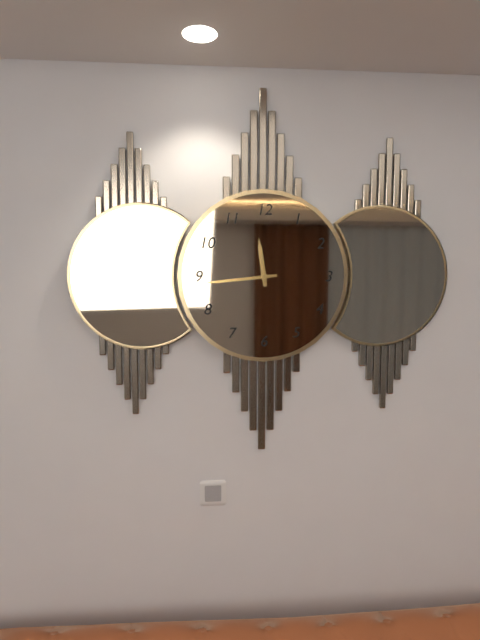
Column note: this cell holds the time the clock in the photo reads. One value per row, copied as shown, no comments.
11:44
